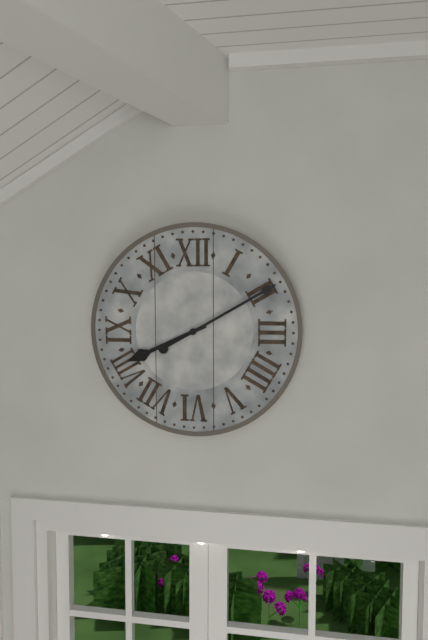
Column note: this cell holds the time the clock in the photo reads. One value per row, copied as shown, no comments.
8:10
